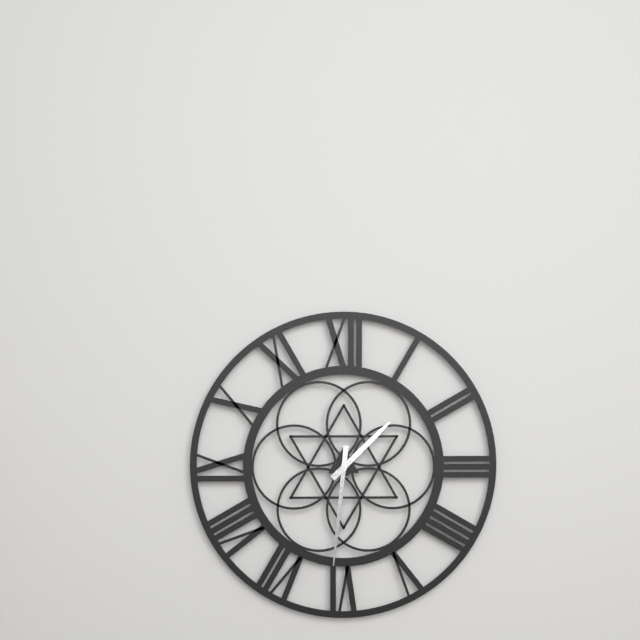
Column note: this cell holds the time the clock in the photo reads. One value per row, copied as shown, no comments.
1:31
